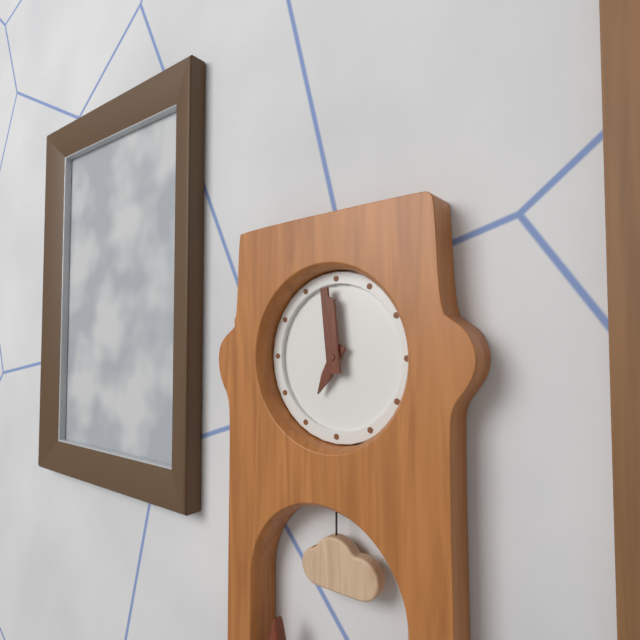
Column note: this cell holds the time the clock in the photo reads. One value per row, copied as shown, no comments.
6:59
